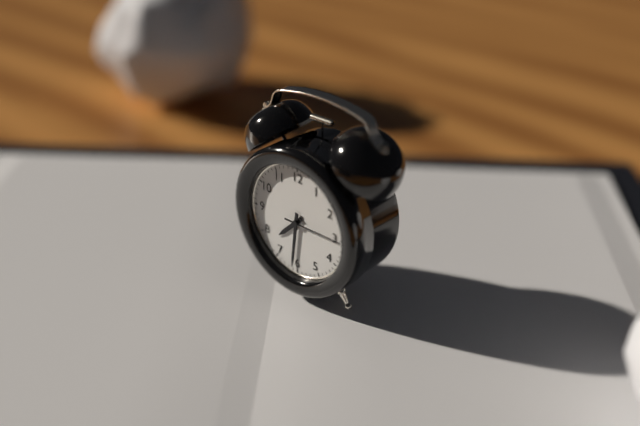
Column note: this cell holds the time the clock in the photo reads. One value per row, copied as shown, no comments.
7:31:15
